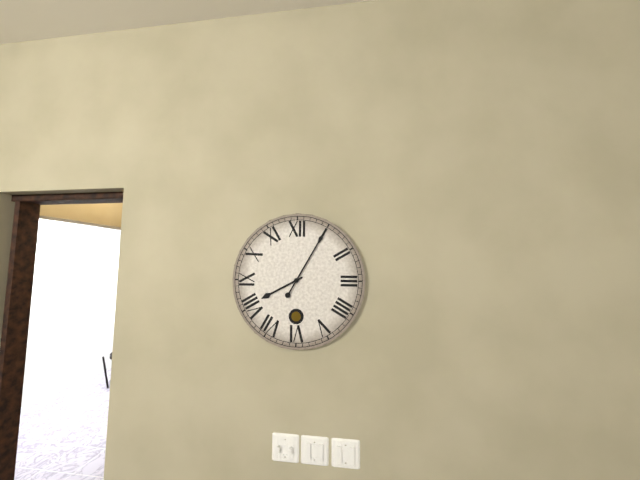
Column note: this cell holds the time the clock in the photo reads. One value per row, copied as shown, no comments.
8:05
